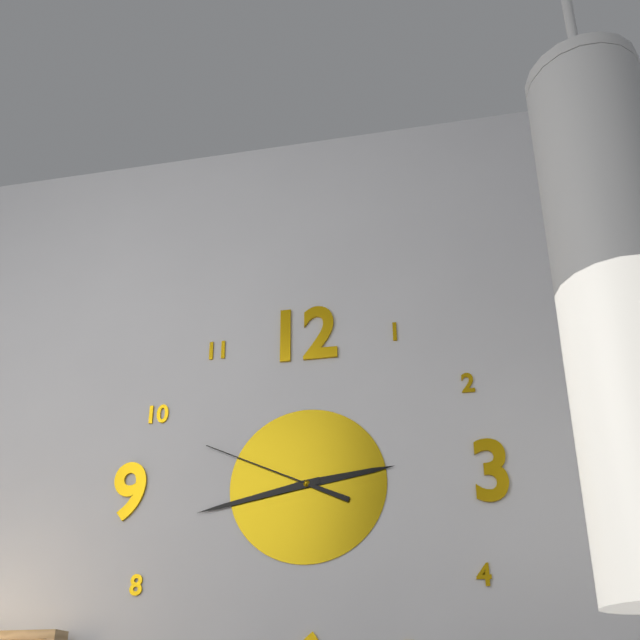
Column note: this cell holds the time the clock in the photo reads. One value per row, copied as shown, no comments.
2:43:49
